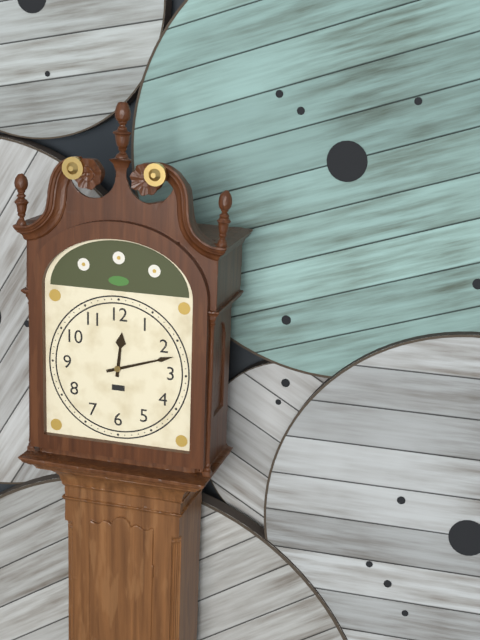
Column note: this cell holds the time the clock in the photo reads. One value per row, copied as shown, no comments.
12:12
